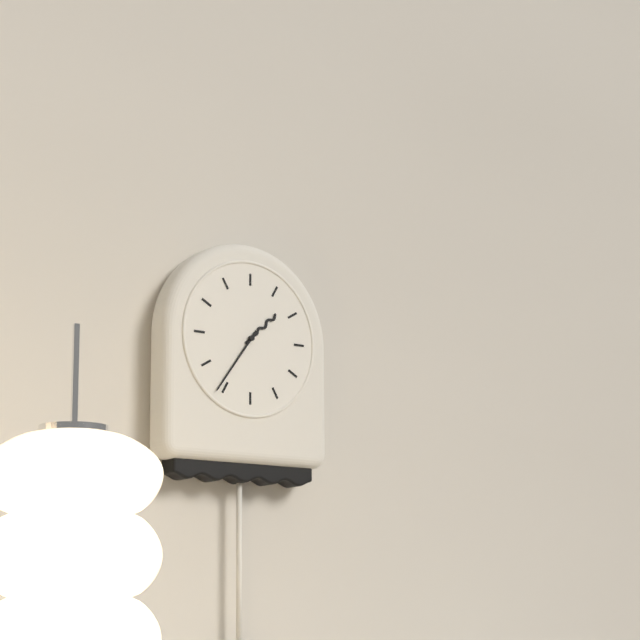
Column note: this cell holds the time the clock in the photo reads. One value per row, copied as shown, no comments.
1:36
